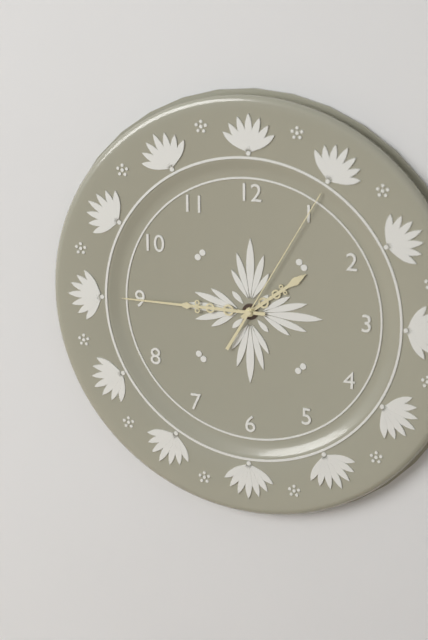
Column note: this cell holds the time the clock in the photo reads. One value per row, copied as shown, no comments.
1:45:05
